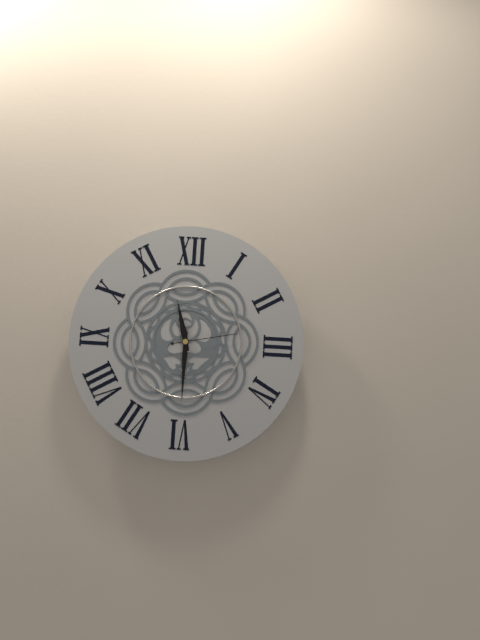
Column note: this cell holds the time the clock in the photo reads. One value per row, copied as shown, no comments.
11:30:13
